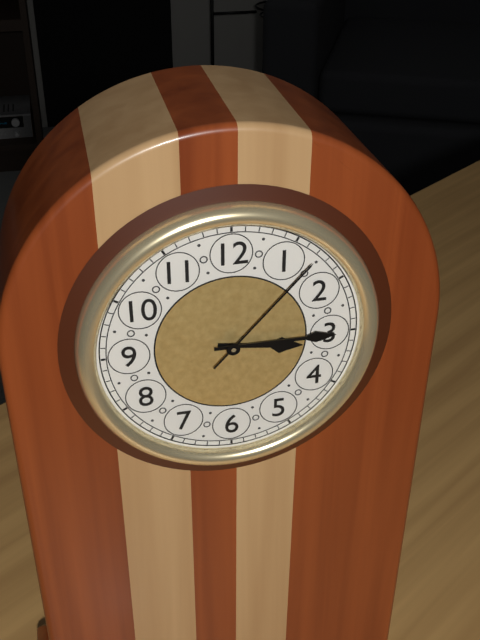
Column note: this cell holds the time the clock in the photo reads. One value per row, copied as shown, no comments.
3:15:07
